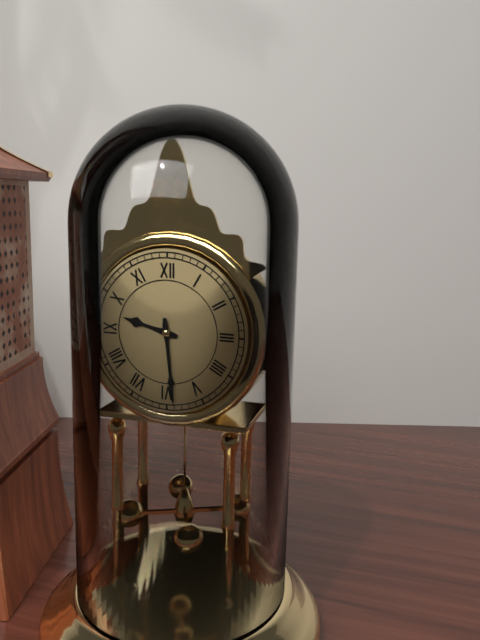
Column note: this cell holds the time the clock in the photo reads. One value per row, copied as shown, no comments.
9:29
